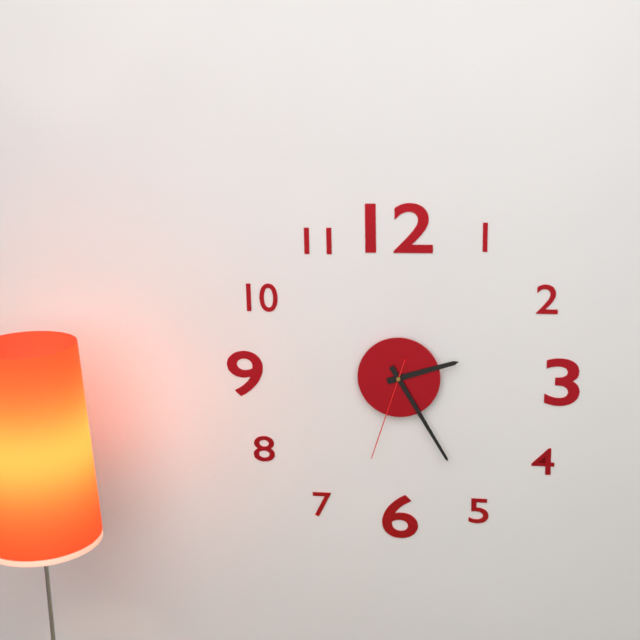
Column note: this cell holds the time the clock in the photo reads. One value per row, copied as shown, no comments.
2:25:33
